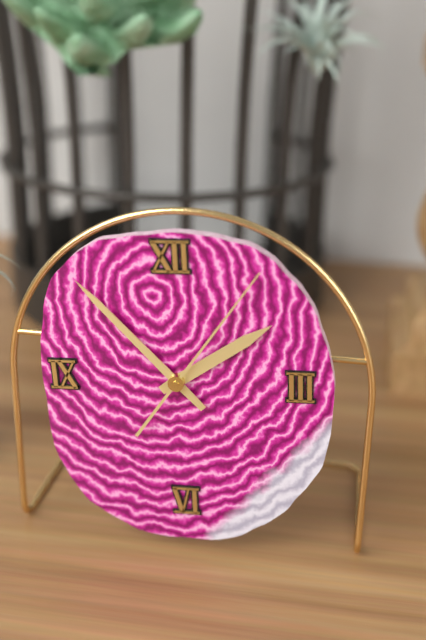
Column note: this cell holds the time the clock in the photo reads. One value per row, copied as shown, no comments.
1:53:06
